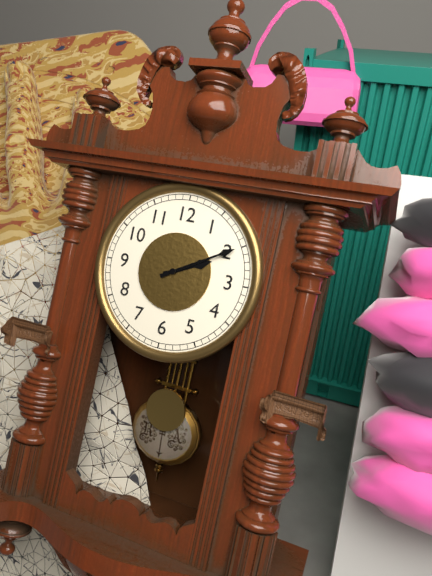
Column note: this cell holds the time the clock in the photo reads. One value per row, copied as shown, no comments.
2:10
